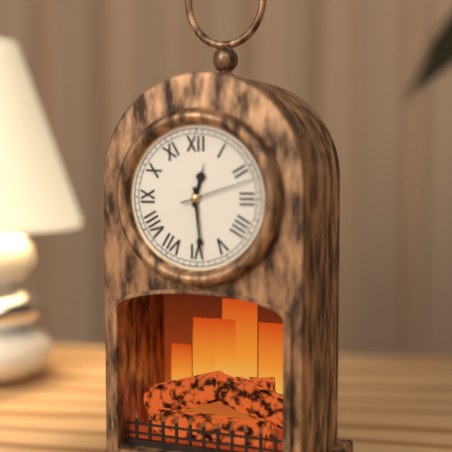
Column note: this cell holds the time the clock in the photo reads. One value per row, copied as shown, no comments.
12:29
